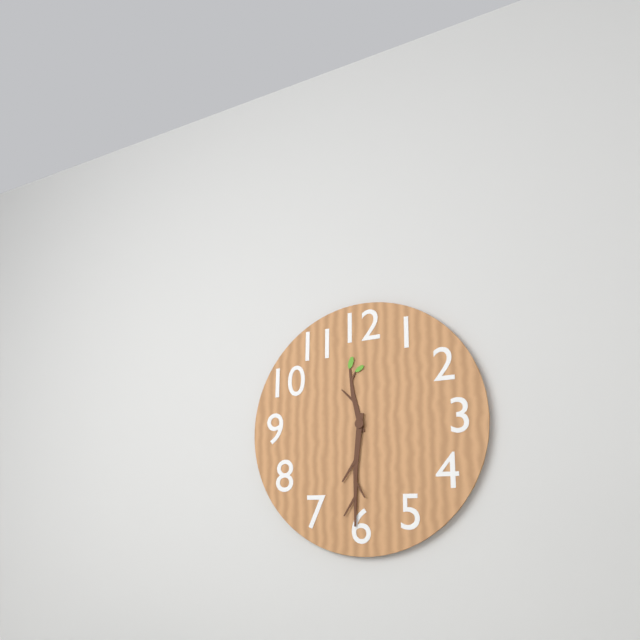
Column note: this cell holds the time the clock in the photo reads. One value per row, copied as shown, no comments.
11:31
